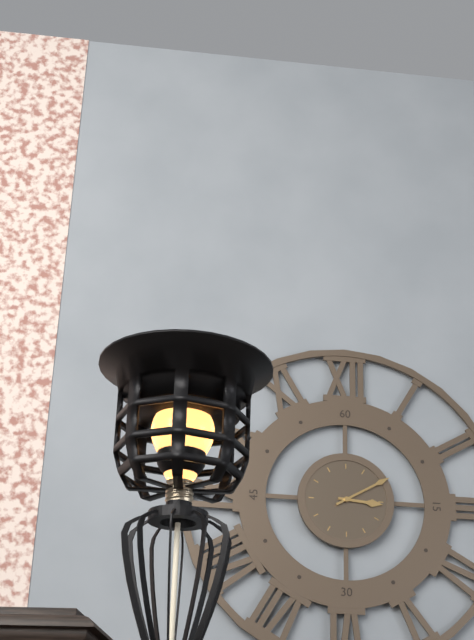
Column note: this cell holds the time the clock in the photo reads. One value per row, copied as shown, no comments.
3:10
